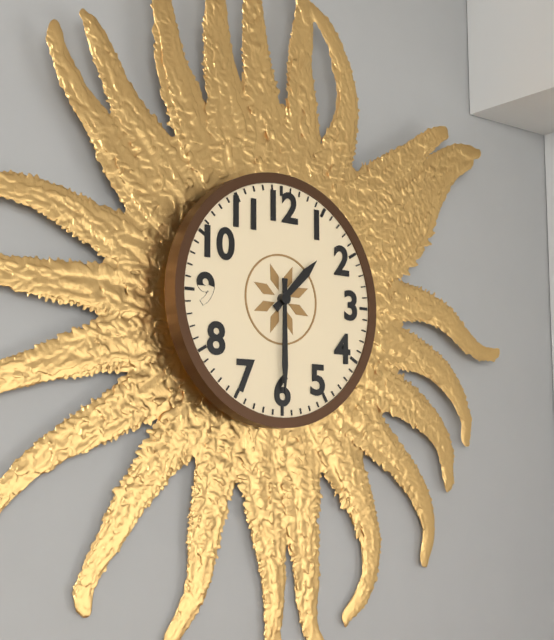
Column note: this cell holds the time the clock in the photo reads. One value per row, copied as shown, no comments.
1:30
